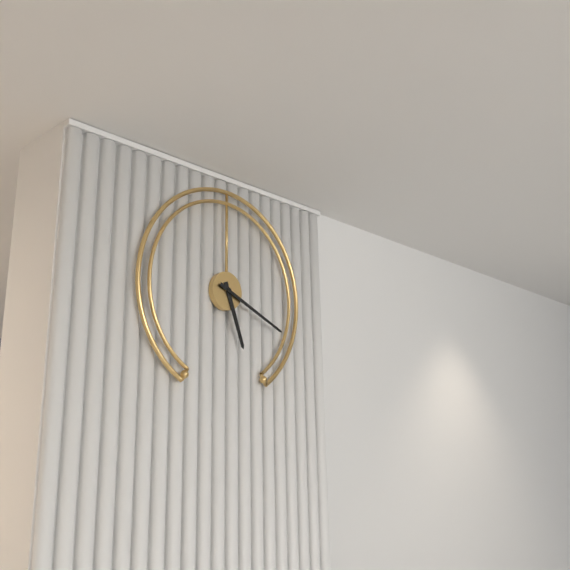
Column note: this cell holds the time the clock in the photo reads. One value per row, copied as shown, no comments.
5:19
